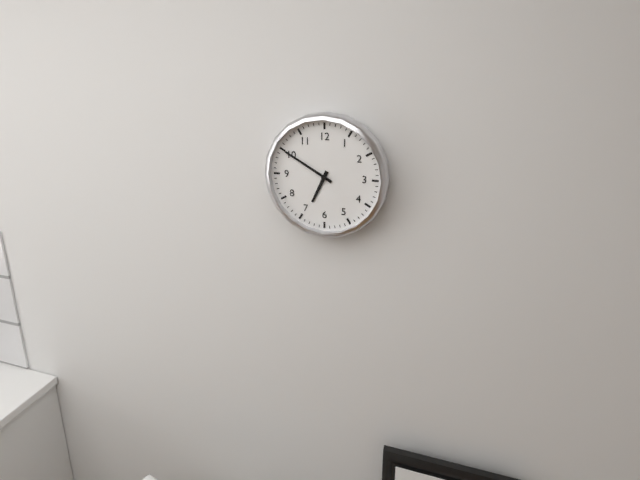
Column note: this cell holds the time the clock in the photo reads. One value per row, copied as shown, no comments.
6:50
